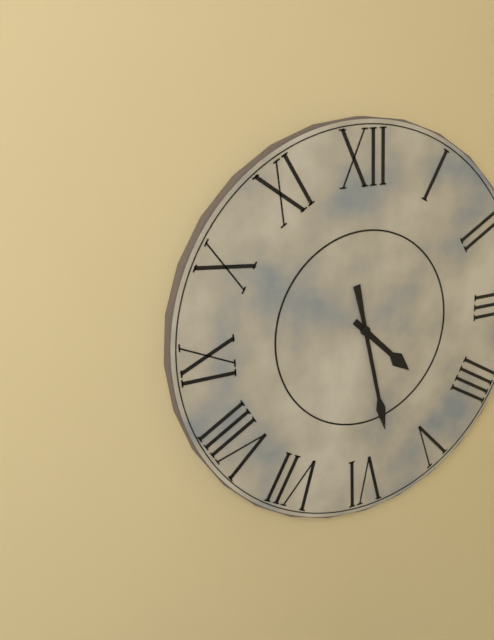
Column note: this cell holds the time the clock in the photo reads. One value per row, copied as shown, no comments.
4:28
